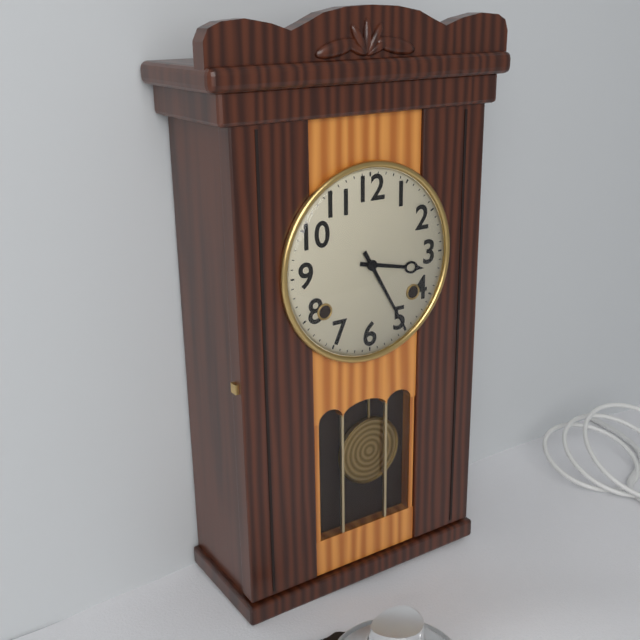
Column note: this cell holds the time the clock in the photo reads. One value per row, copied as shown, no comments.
3:25
